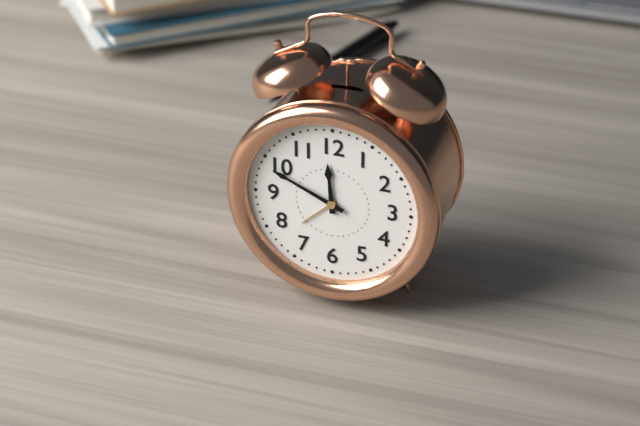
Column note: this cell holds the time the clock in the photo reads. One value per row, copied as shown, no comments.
11:49
